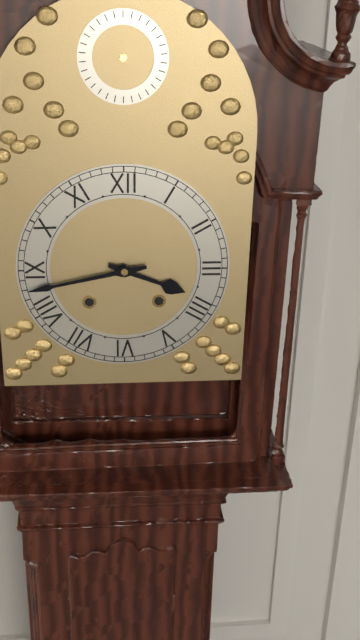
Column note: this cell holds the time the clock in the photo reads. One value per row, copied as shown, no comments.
3:43
